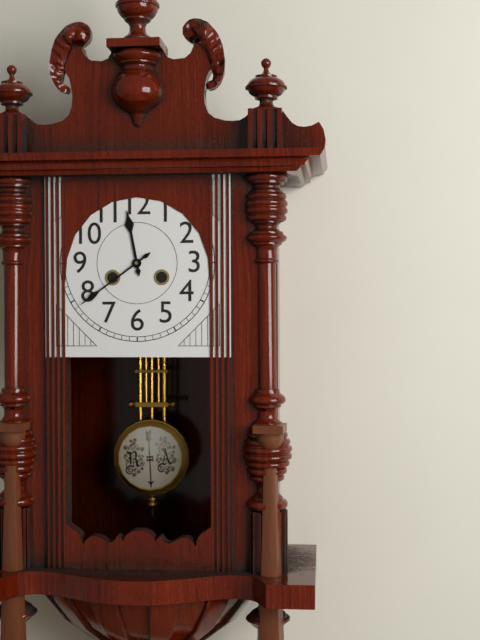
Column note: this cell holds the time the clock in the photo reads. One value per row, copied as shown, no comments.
11:39
